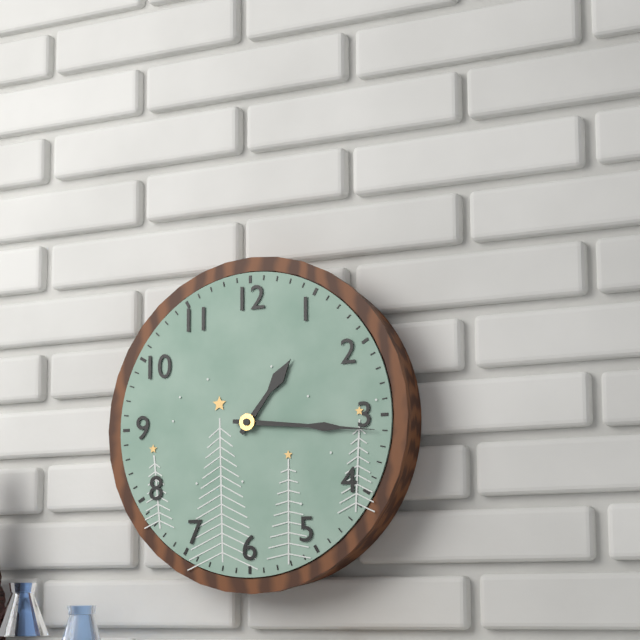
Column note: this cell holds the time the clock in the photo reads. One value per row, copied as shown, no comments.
1:16
